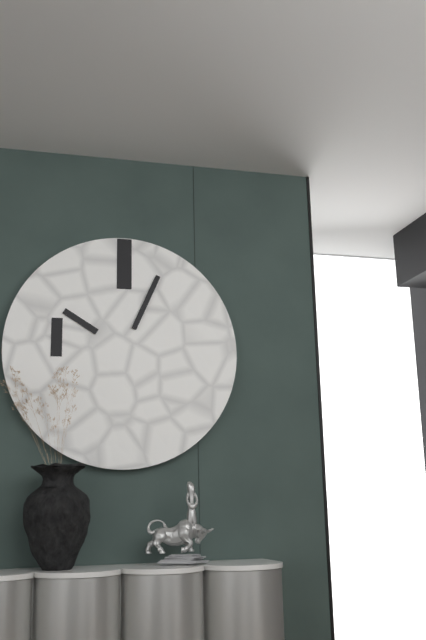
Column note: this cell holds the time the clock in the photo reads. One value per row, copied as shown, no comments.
10:04
